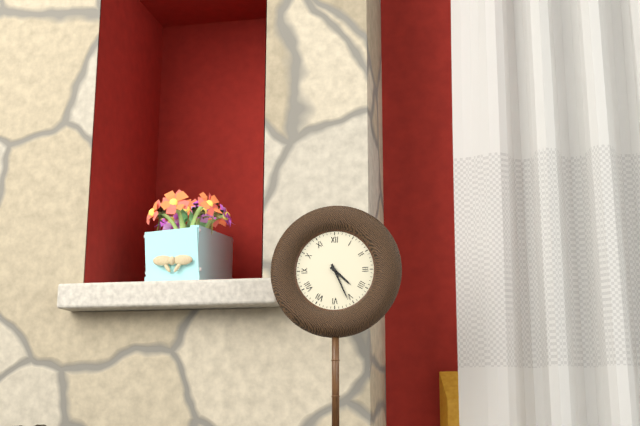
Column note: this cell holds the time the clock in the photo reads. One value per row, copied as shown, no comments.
4:26
